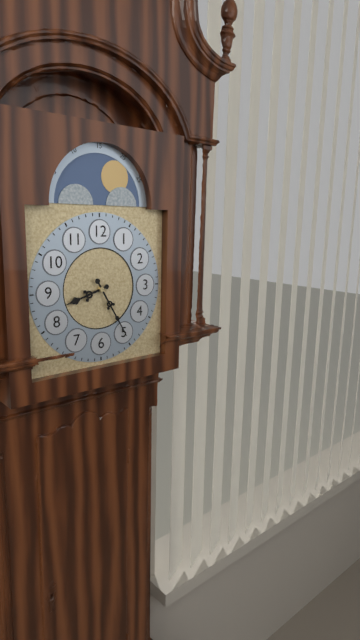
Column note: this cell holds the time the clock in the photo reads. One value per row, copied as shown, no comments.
8:25
